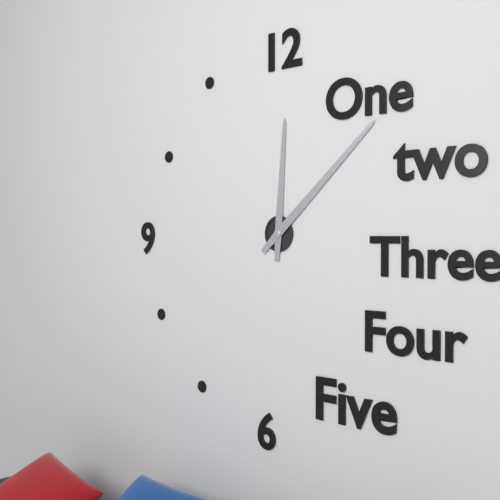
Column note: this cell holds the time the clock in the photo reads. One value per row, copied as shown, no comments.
12:08
